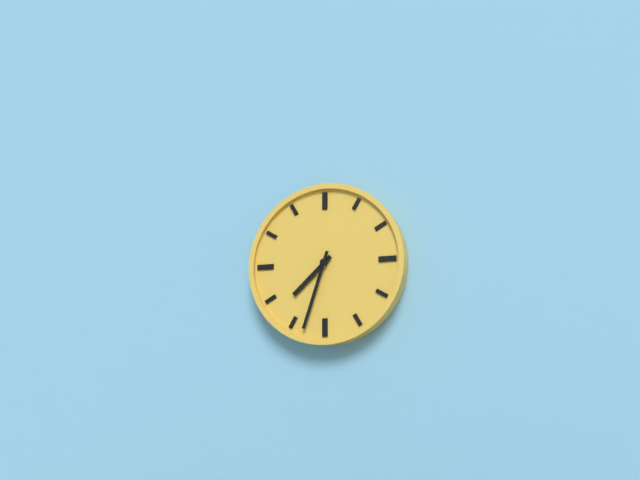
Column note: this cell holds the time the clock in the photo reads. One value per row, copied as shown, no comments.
7:33
